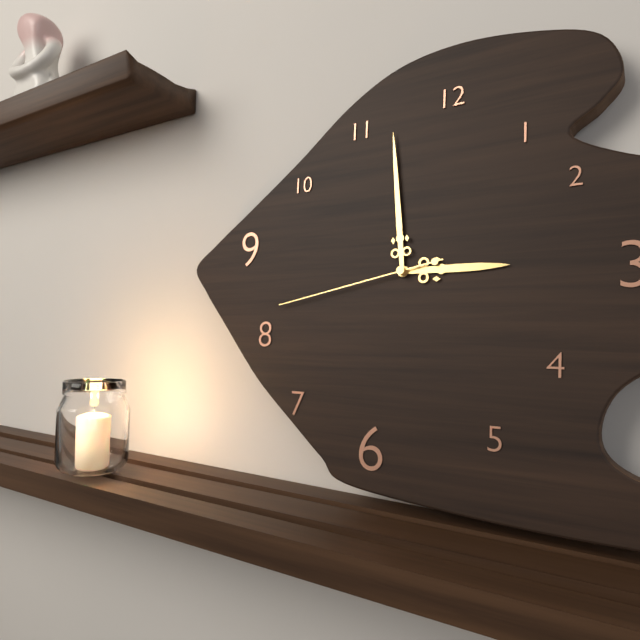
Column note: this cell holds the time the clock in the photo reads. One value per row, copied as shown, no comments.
2:59:43
